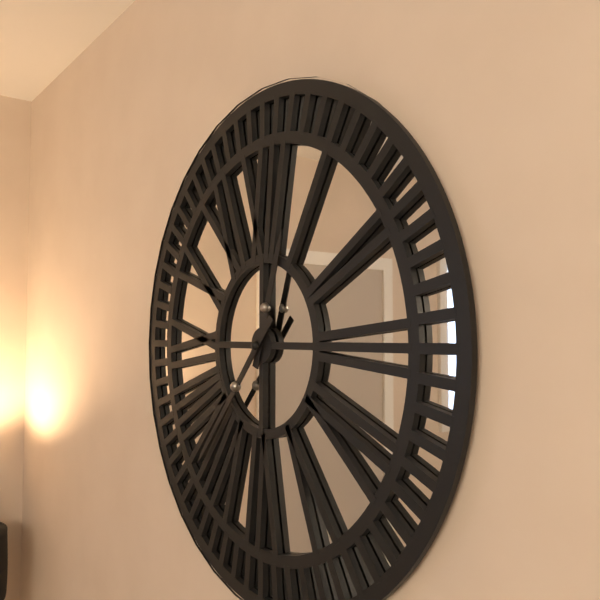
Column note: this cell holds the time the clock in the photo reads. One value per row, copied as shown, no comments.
12:37
